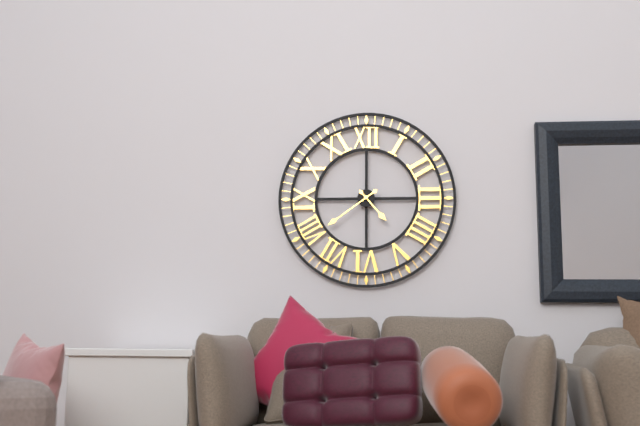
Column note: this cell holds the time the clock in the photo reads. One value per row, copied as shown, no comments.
4:39
